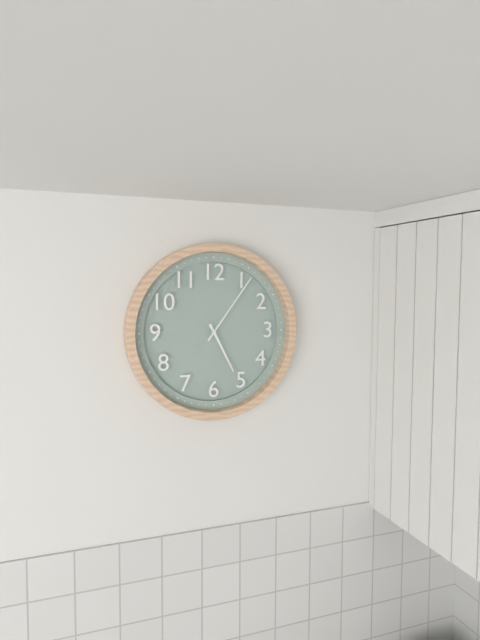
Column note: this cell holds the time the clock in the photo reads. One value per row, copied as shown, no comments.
5:06
